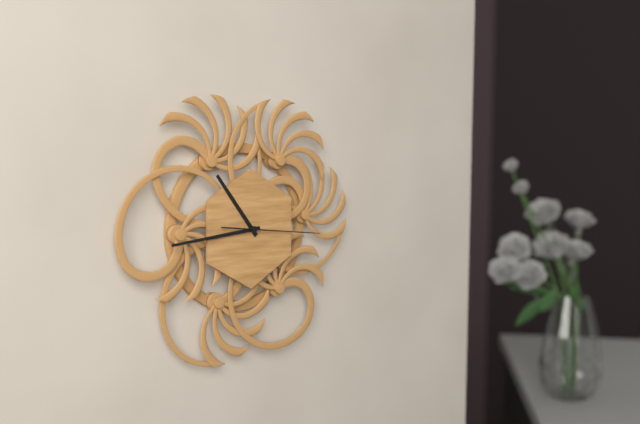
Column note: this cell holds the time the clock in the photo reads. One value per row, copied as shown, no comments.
10:44:16
